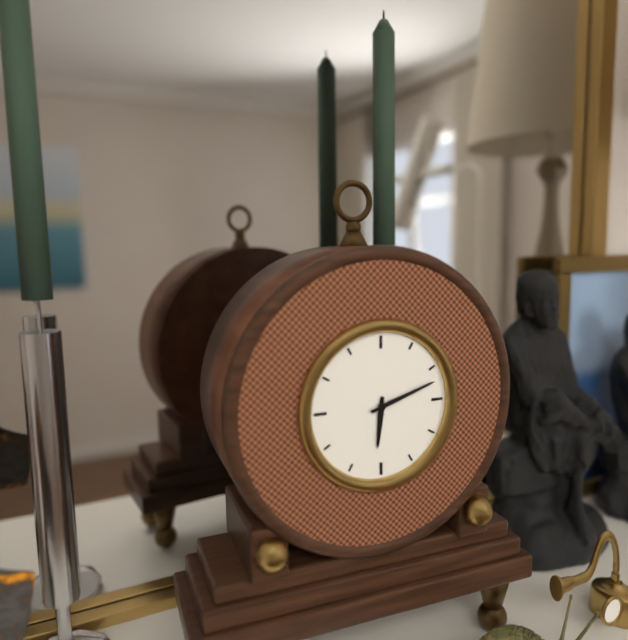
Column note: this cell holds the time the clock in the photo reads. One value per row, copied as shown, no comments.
6:12
